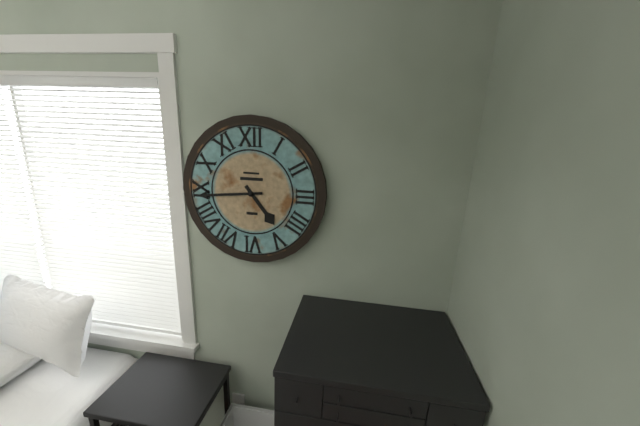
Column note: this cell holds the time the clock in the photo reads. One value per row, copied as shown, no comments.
4:44
